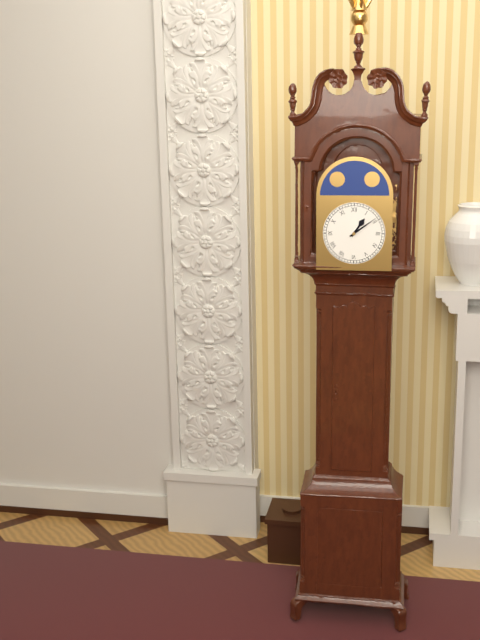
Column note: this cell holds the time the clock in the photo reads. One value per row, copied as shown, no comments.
1:09
